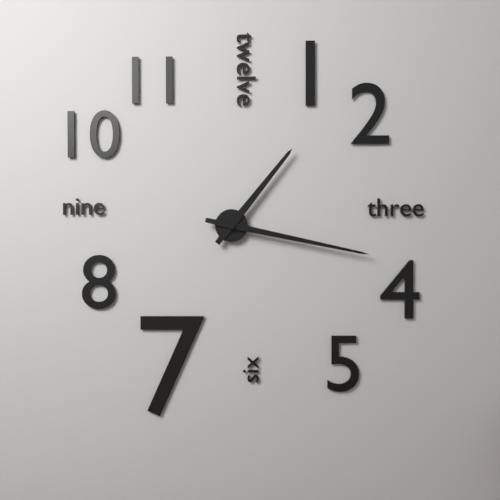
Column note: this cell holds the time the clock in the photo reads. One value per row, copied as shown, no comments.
1:17
